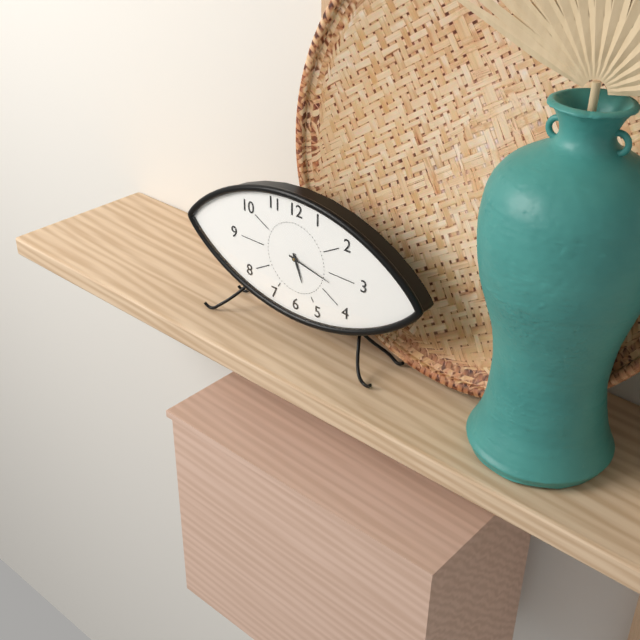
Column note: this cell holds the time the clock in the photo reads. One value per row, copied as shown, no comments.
5:17
